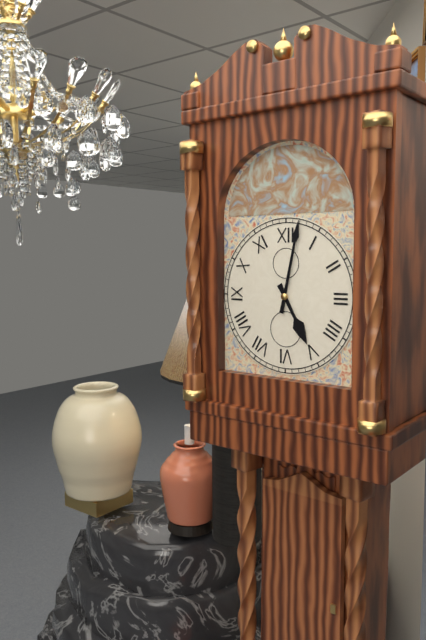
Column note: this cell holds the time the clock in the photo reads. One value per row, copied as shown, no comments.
5:02
